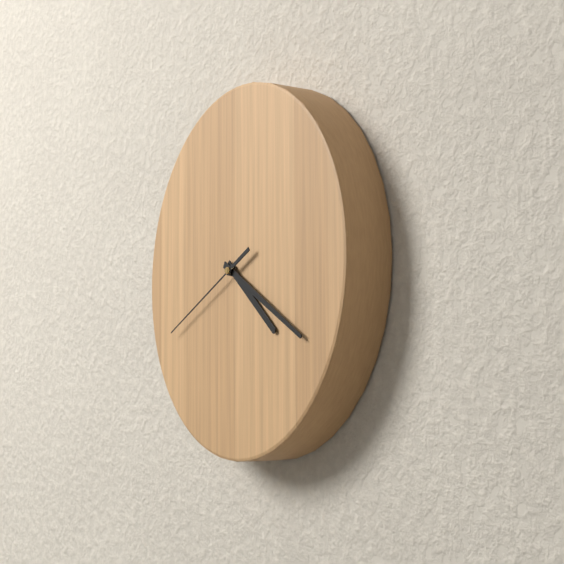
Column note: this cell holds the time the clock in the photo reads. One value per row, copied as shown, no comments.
4:20:41
